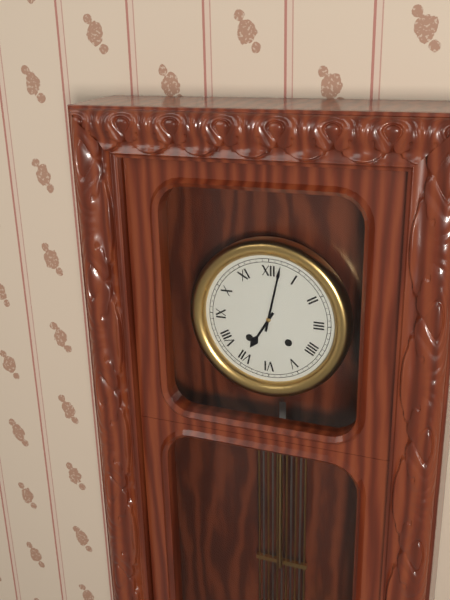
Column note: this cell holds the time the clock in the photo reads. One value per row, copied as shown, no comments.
7:02
